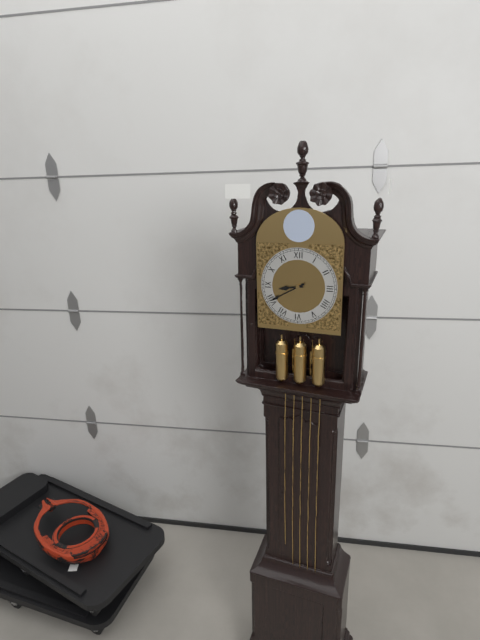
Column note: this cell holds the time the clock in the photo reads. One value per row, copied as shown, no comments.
8:40
